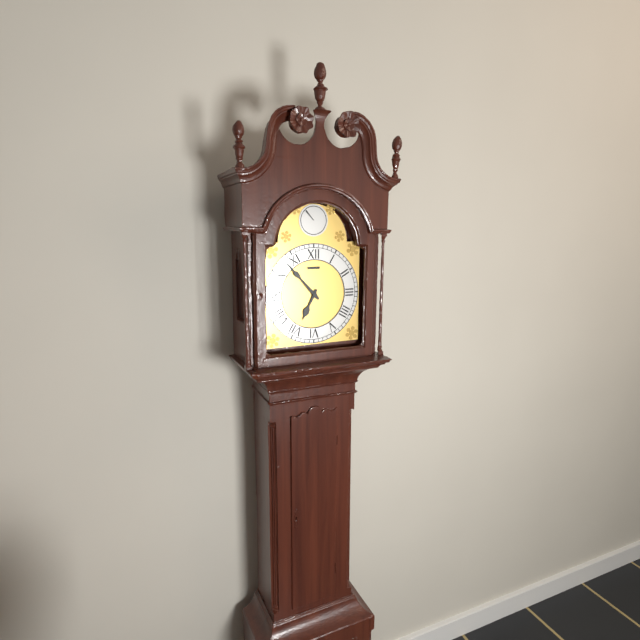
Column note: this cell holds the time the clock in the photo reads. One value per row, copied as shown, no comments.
6:53
